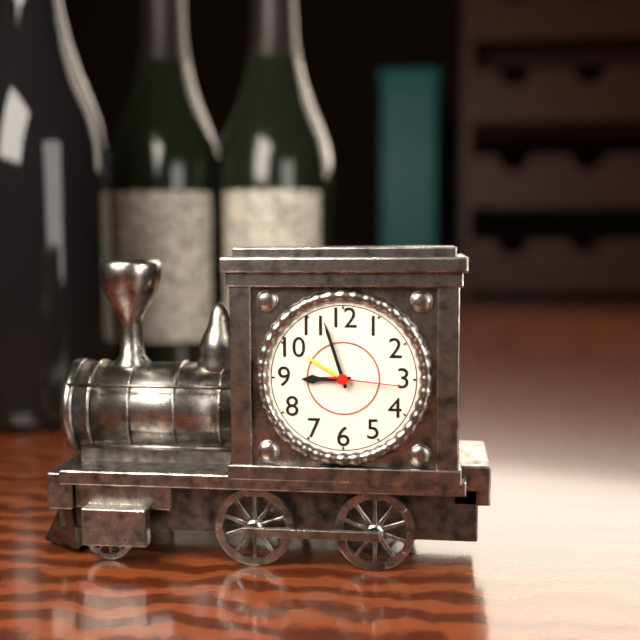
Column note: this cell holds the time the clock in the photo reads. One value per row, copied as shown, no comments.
8:57:16
